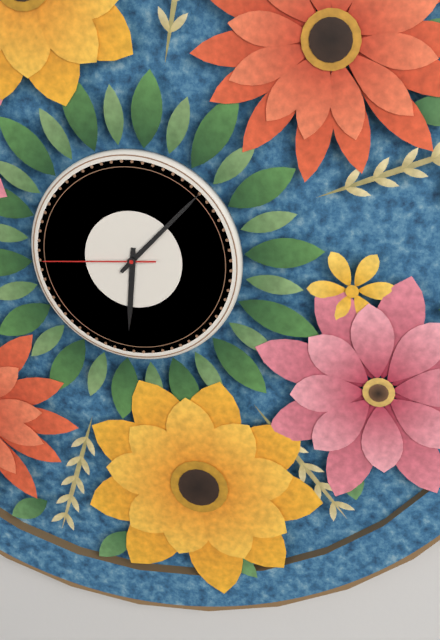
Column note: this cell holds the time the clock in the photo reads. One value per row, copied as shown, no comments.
6:07:44
